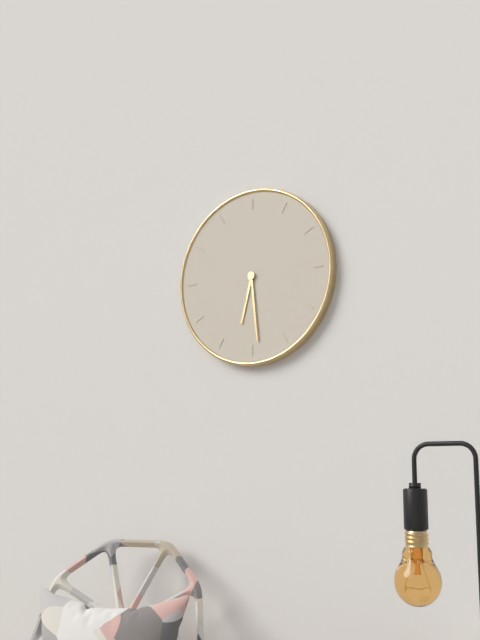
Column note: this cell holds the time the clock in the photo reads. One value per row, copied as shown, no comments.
6:29
